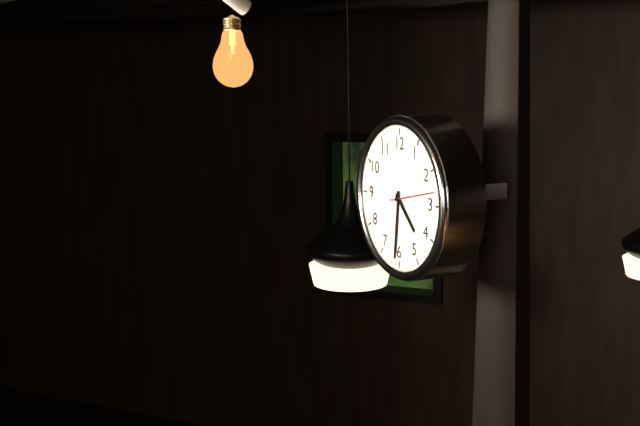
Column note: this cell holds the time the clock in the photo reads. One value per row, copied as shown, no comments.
4:31
